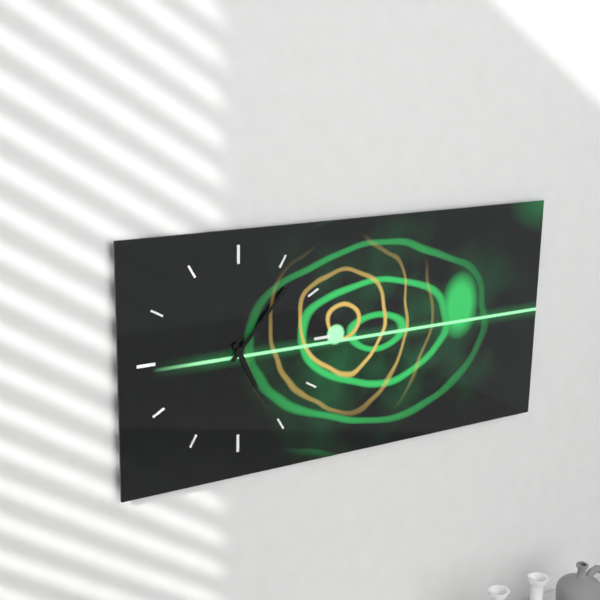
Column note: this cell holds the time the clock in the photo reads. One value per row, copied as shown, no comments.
5:07
